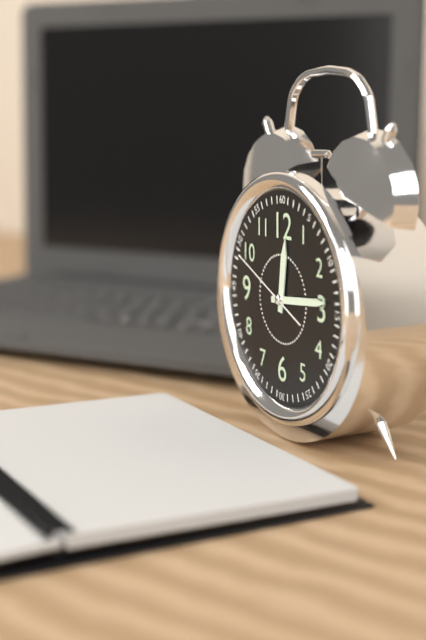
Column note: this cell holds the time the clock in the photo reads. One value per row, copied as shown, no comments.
12:14:49
